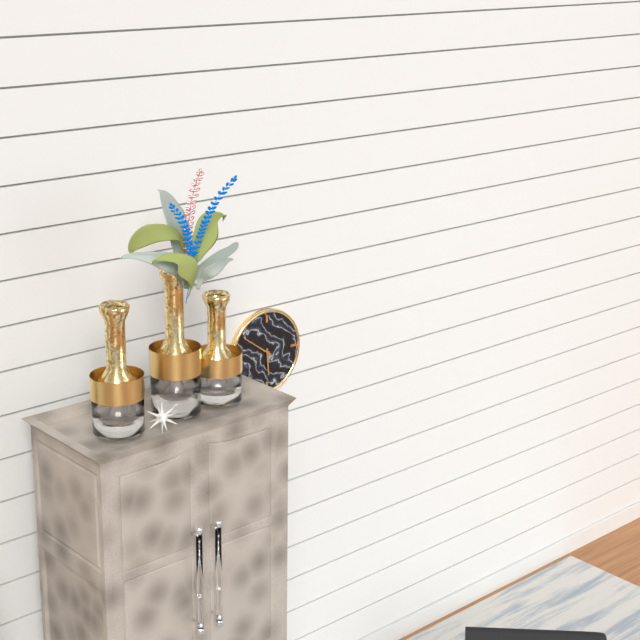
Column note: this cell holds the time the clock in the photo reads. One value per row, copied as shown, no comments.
5:51
